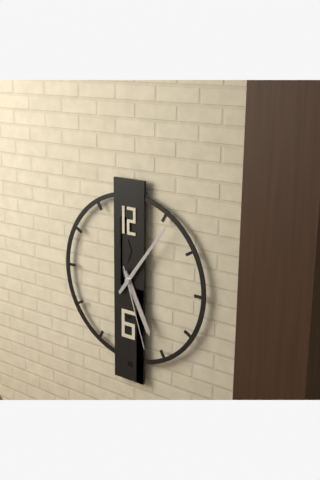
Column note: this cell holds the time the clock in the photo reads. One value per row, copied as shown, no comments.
5:06:27
